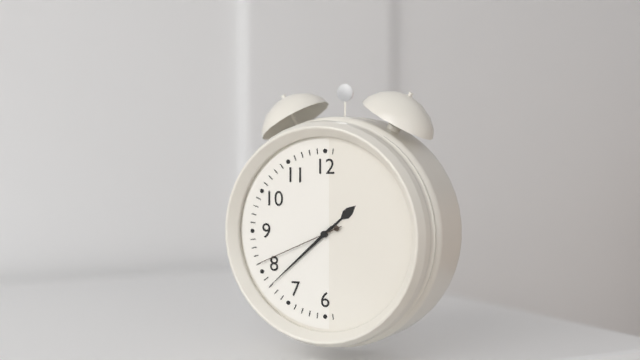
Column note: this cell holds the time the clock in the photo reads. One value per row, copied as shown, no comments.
1:38:41
